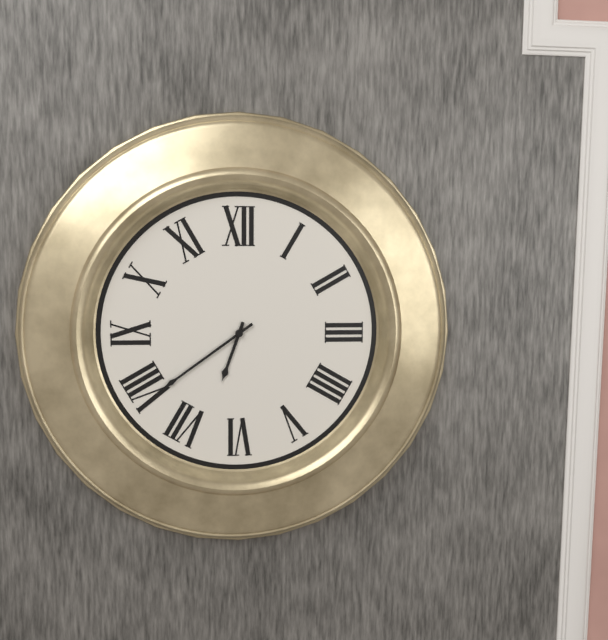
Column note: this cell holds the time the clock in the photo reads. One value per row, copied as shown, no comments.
6:39
